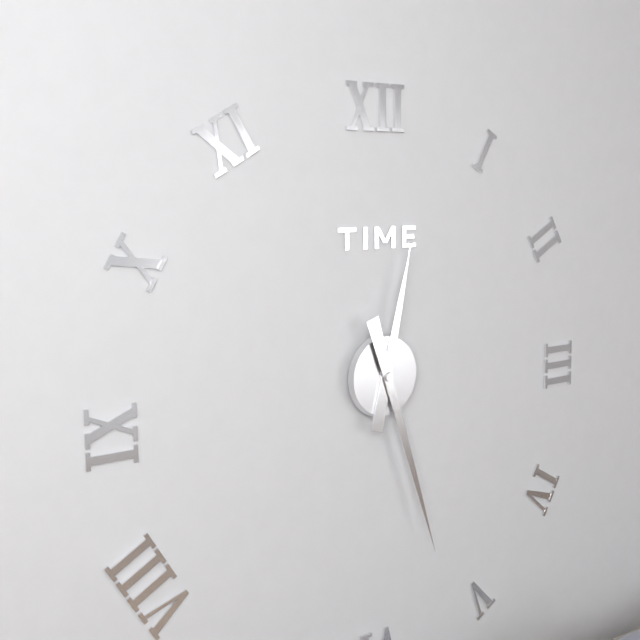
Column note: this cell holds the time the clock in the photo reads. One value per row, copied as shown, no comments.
12:27
